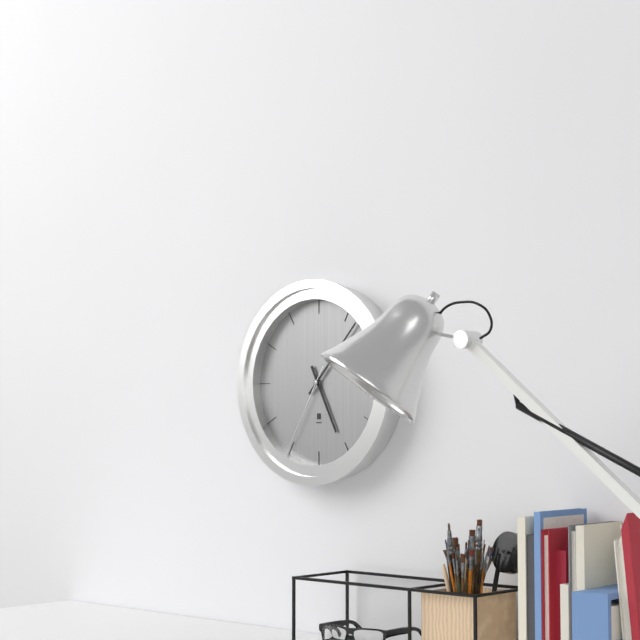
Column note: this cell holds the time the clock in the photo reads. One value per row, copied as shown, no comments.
5:07:35
